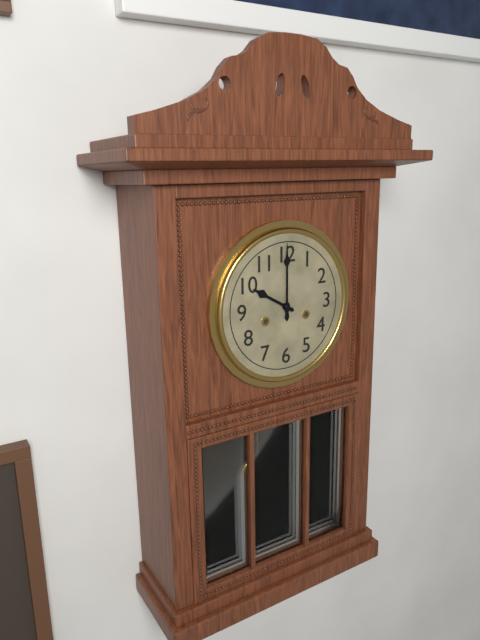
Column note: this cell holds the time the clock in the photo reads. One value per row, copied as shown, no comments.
10:00
